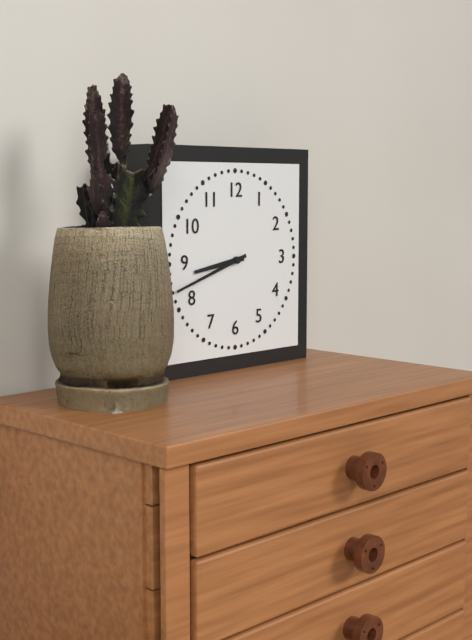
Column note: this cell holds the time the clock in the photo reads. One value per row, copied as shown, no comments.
8:42
